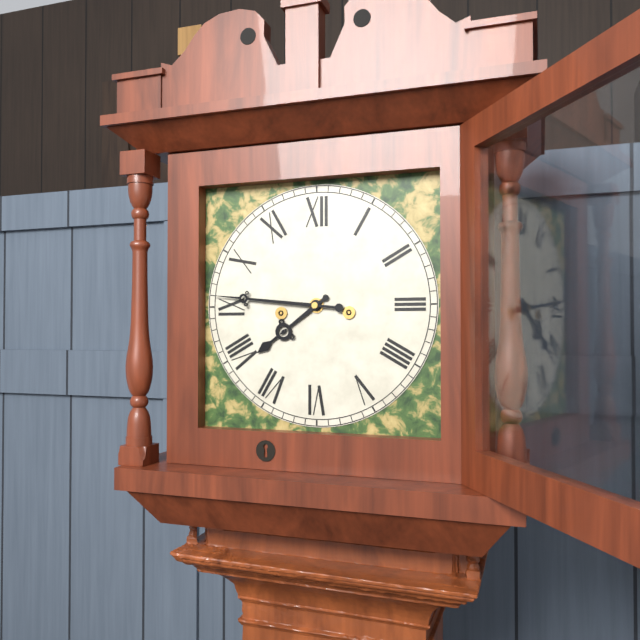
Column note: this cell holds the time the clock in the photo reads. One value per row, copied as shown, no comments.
7:46
